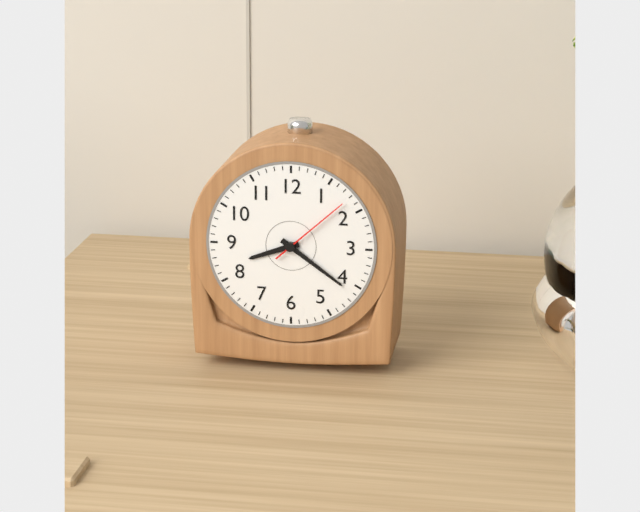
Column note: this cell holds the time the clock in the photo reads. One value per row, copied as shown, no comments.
8:21:08
